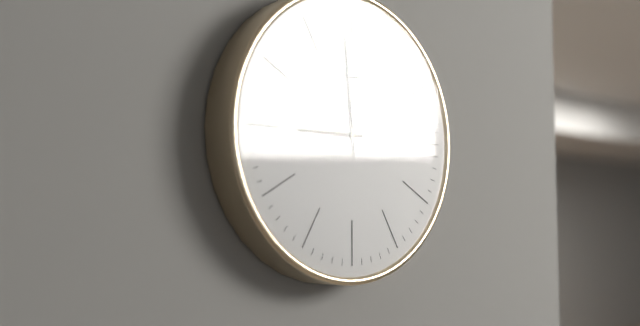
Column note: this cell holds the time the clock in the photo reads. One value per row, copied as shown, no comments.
8:59
